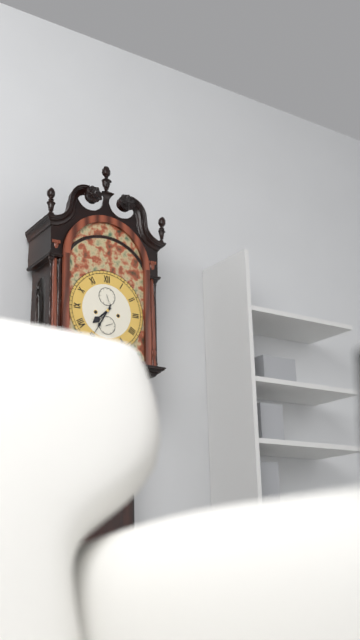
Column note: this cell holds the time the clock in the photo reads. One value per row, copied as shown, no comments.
7:35
